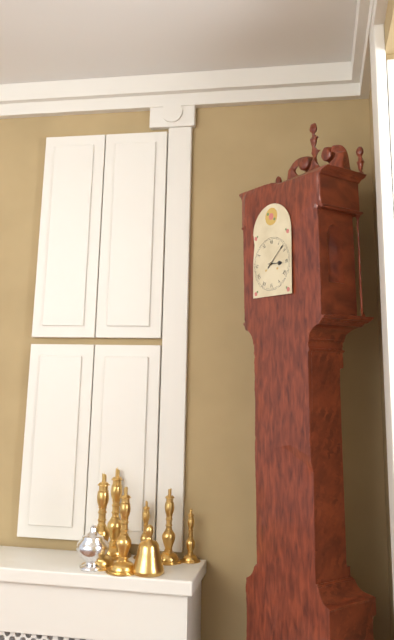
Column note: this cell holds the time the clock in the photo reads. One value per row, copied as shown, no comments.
3:08
